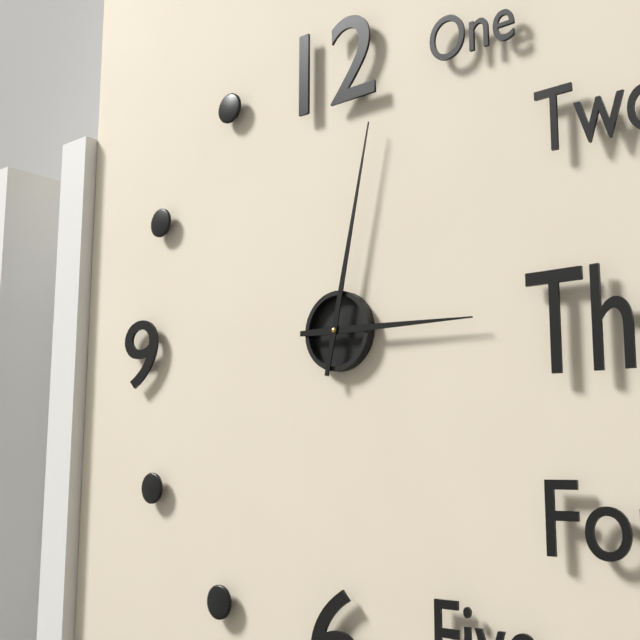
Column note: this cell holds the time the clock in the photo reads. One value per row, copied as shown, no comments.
3:02
